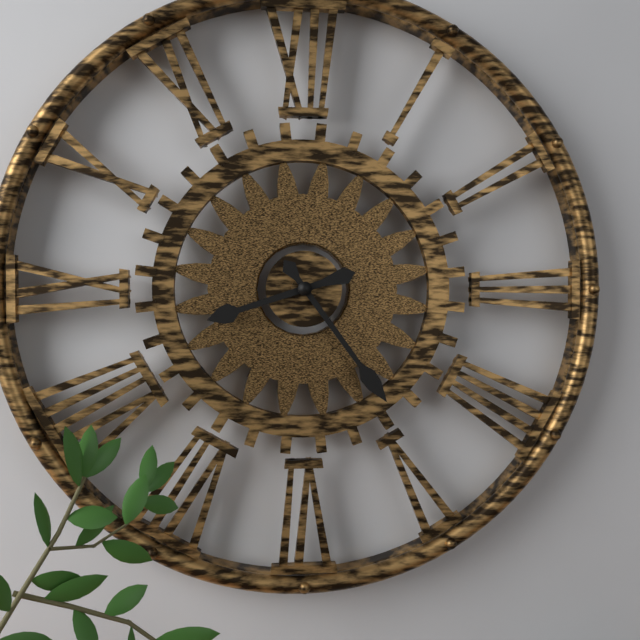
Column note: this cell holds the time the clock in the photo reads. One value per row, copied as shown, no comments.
8:24
